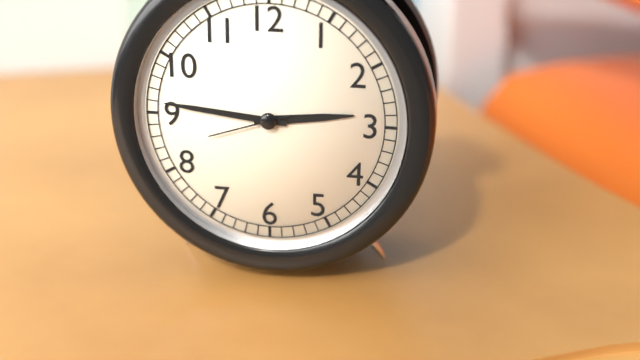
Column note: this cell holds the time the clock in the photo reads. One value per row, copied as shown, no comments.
2:46:42
